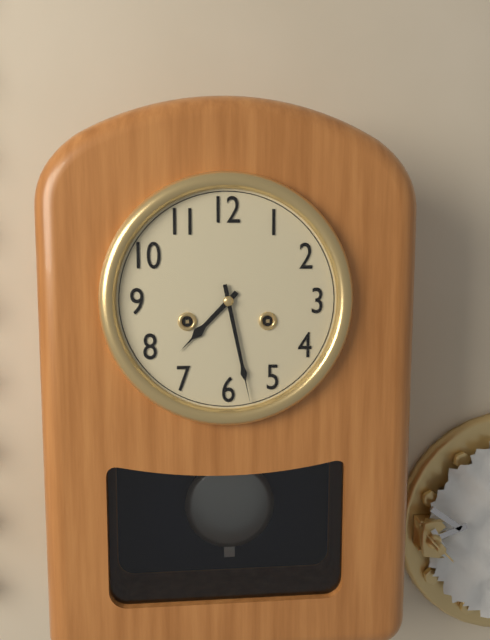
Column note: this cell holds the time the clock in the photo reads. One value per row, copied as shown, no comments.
7:28
